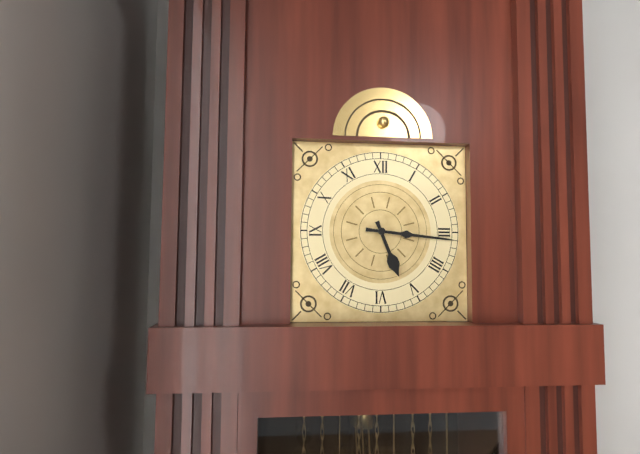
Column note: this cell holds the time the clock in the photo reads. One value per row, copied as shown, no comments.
5:16
